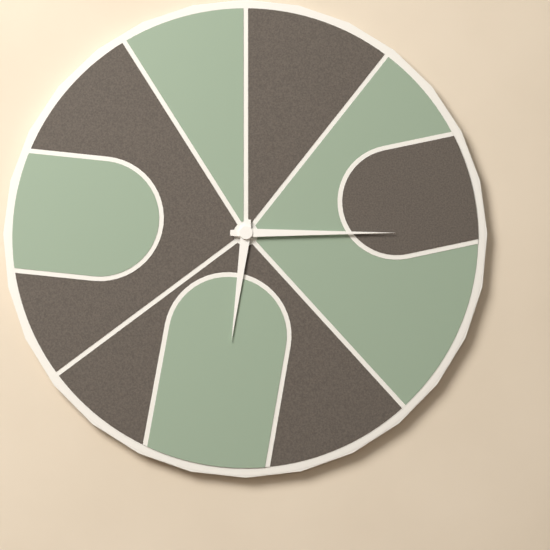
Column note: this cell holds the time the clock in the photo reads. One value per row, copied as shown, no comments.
6:15
